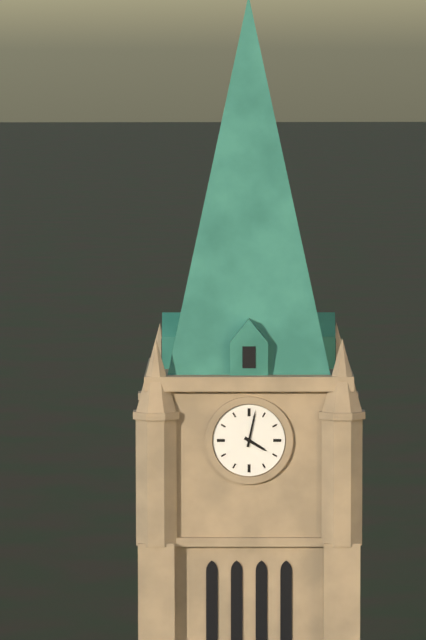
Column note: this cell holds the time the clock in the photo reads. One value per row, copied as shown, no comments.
4:02
